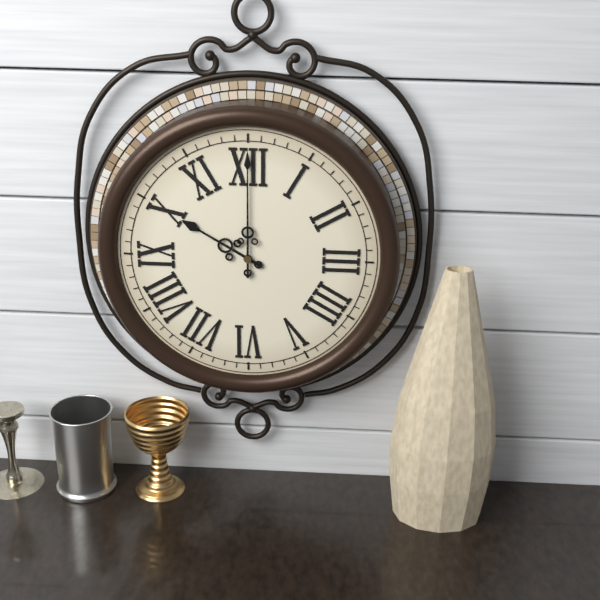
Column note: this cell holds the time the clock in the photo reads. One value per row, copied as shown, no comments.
10:00
